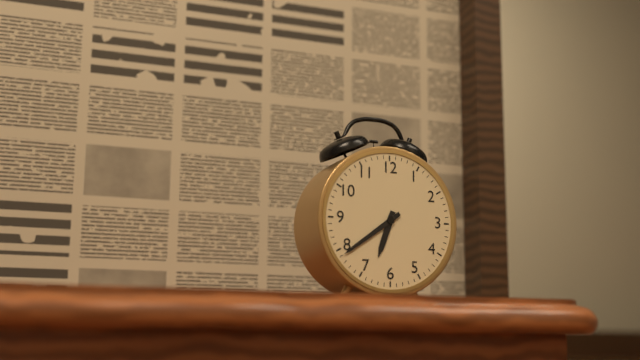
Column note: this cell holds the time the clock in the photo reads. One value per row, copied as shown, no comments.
6:39
